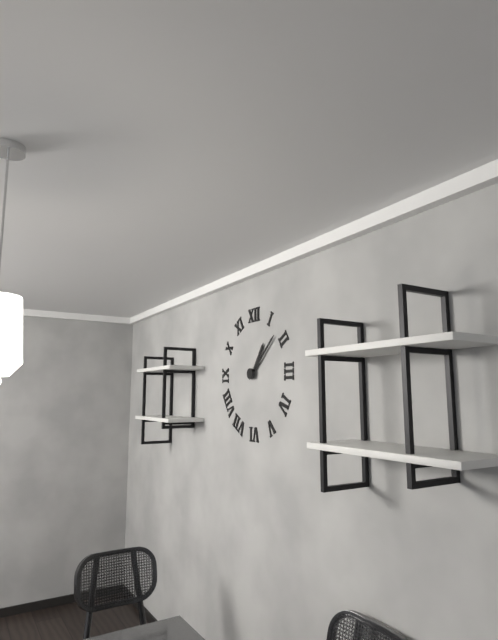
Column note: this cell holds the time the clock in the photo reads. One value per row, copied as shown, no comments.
1:08
